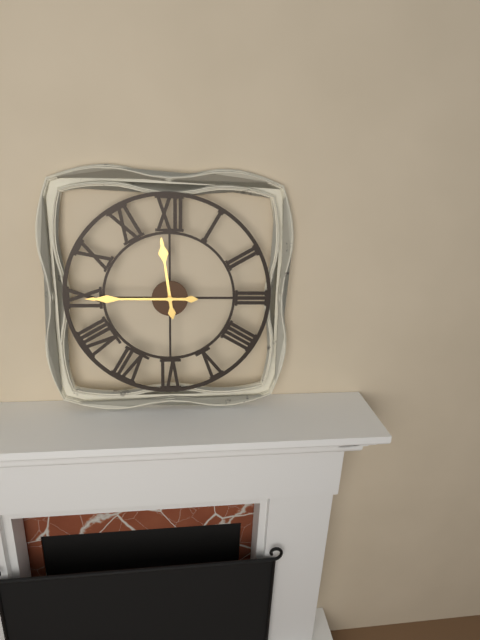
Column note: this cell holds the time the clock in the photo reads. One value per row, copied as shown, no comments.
11:45
